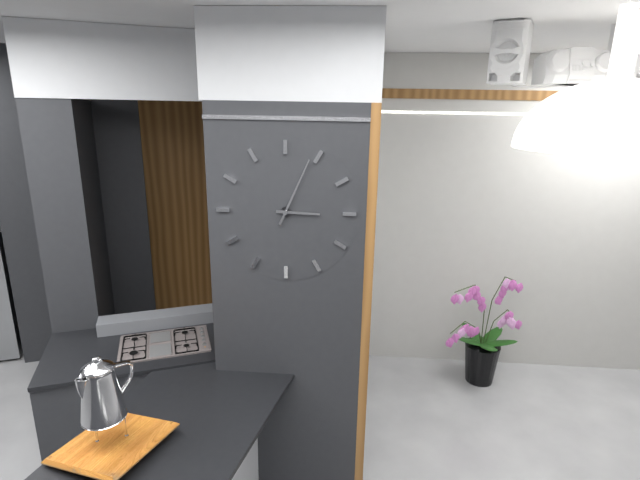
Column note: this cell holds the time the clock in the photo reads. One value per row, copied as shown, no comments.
3:04
